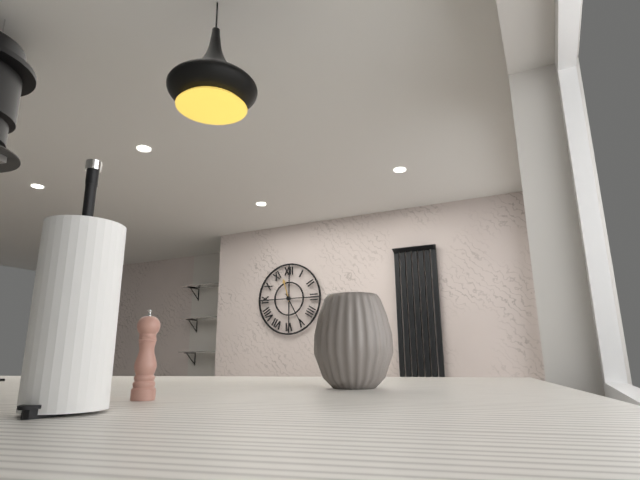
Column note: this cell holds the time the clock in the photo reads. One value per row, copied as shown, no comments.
11:25
